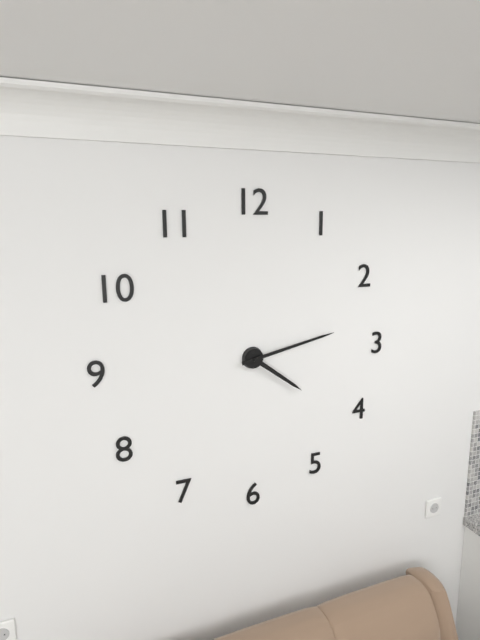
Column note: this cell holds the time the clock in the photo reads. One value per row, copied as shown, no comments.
4:13
